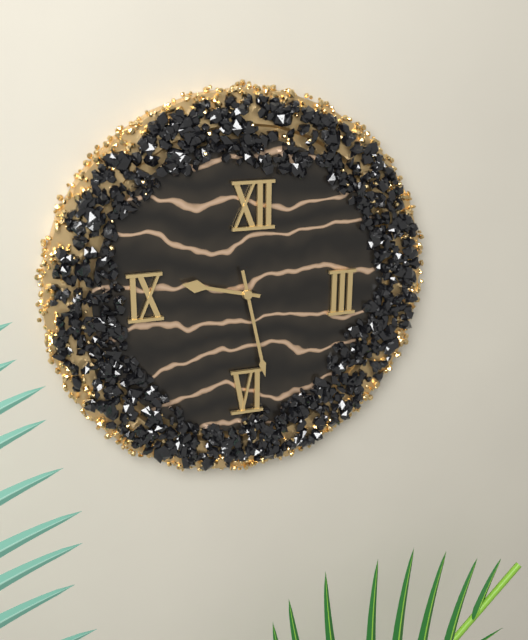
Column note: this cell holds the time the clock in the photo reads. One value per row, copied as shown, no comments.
9:28
